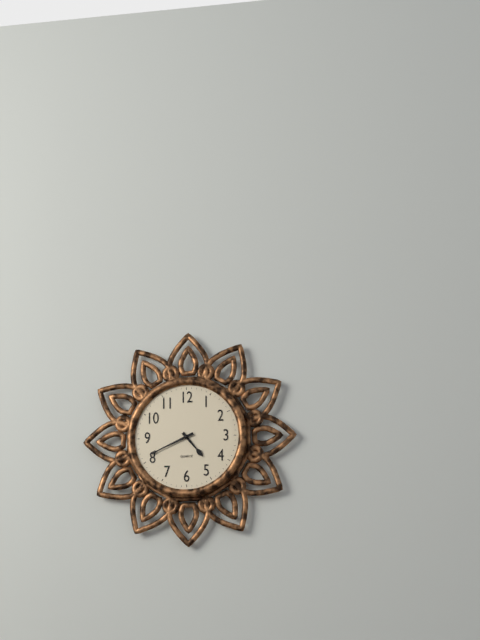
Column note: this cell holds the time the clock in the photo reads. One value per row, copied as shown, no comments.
4:41
